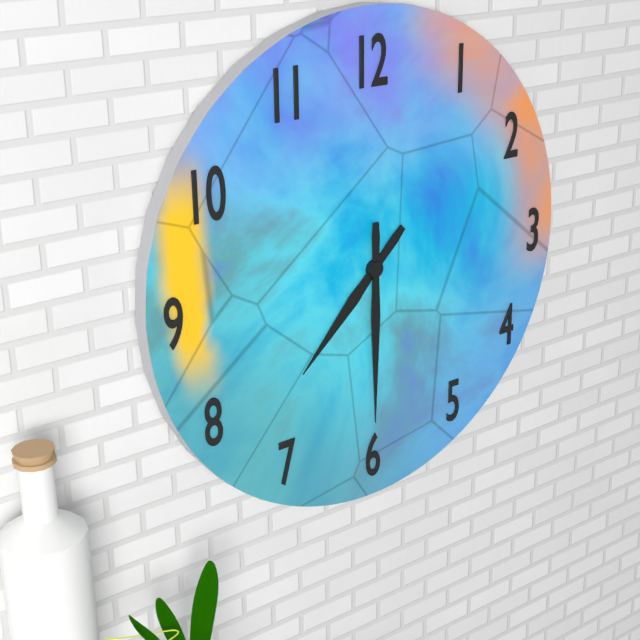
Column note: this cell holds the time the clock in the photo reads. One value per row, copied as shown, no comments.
7:30
